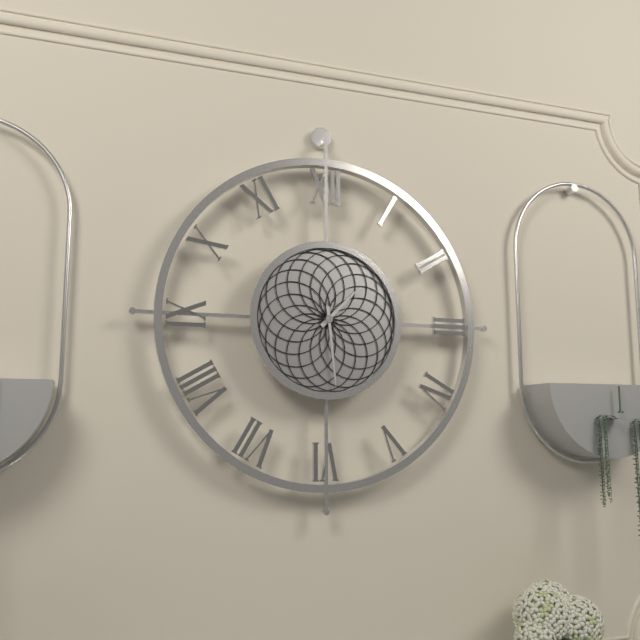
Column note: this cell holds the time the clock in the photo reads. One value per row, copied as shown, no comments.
1:29
